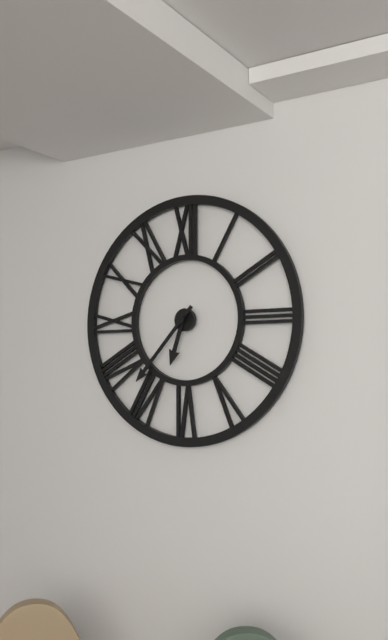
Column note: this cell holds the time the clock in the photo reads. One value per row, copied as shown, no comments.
6:37
